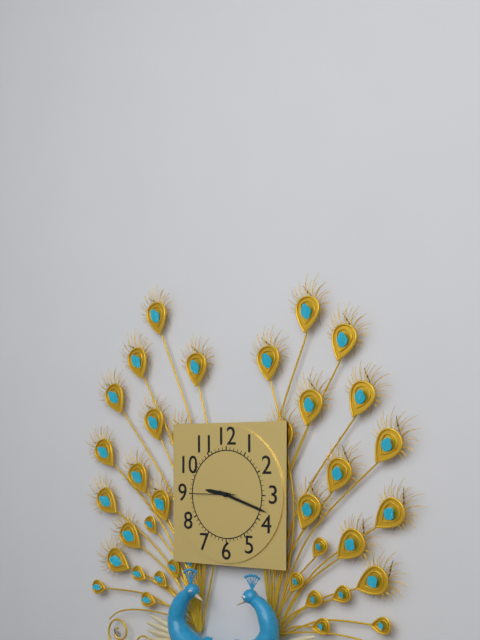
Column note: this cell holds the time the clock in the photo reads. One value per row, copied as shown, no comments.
9:18
